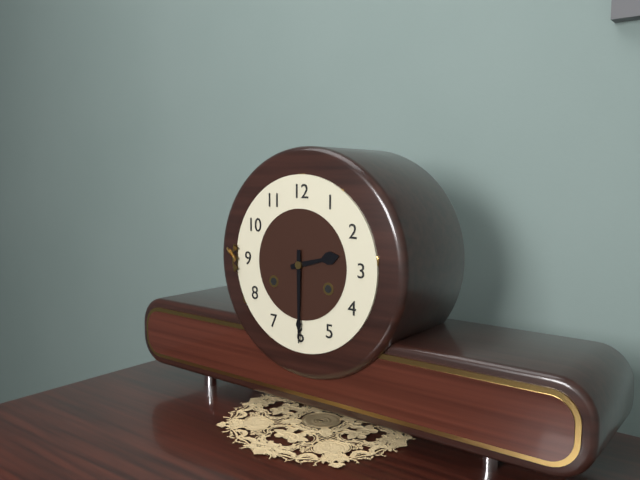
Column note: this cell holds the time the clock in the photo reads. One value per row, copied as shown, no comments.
2:30
